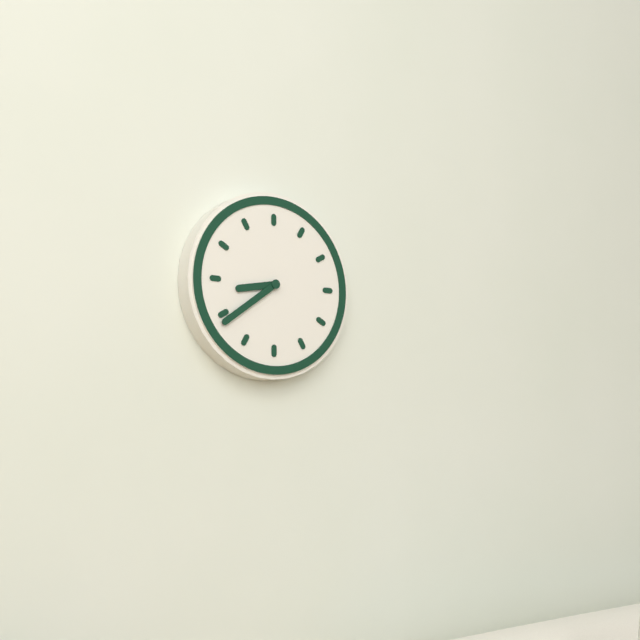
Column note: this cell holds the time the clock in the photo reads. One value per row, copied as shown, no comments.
8:39
